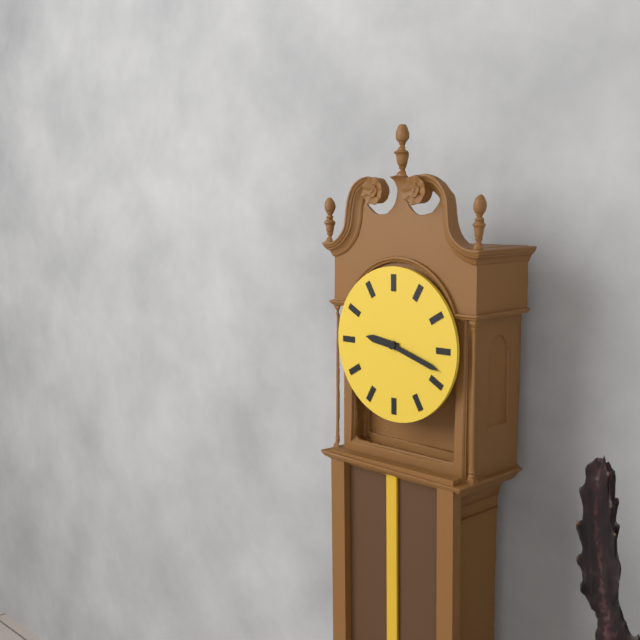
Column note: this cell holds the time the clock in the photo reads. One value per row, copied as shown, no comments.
9:18
